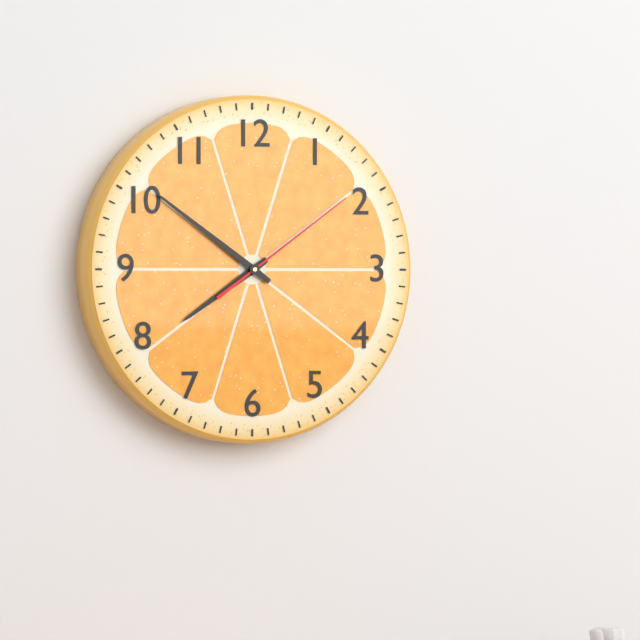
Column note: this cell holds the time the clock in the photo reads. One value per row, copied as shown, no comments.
7:51:09
